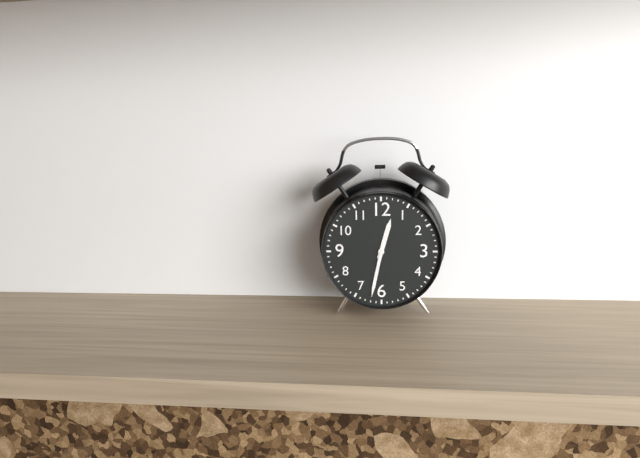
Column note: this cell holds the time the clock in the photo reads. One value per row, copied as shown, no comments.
12:32
